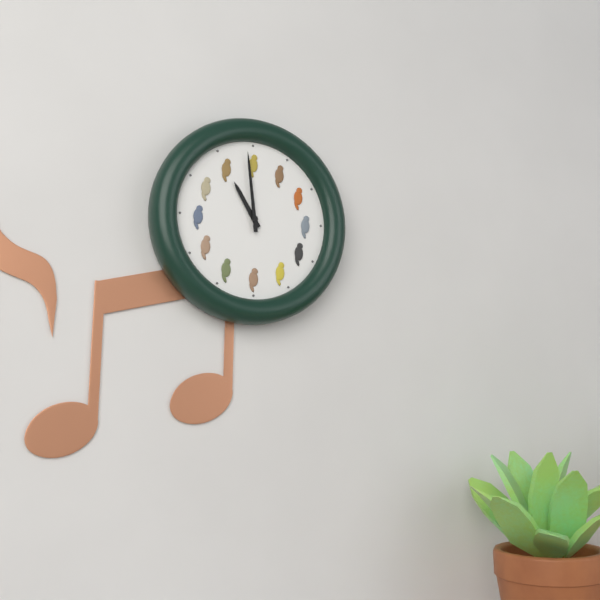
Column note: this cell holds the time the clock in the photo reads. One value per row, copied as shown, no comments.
10:59
